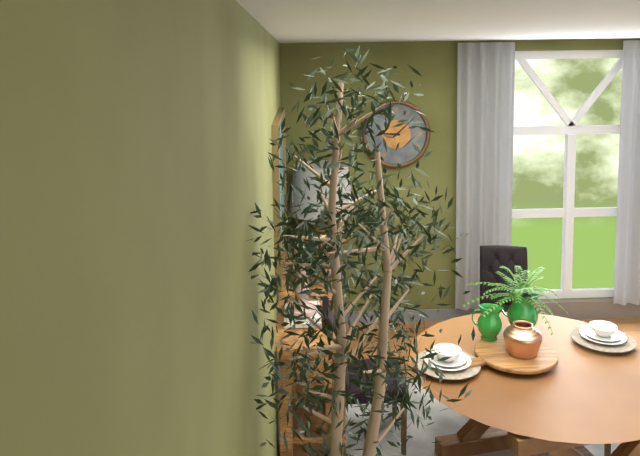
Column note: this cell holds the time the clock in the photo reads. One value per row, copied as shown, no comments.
9:08
